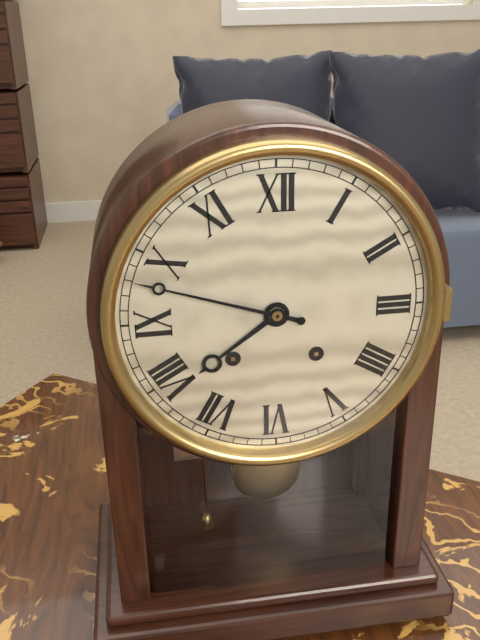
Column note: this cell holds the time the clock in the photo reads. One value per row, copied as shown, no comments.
7:48
